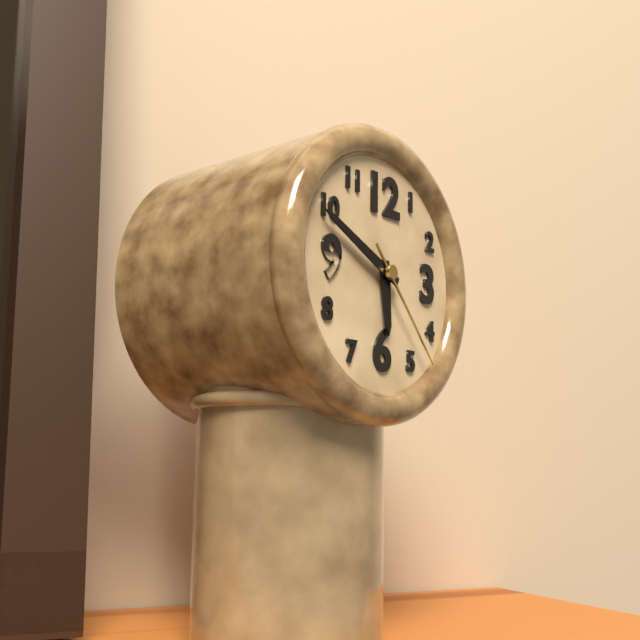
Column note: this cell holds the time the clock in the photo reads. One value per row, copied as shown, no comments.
5:49:23
